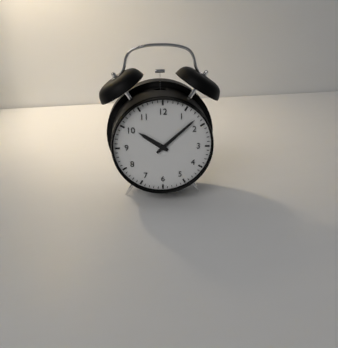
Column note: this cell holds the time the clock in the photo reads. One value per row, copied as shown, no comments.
10:08
